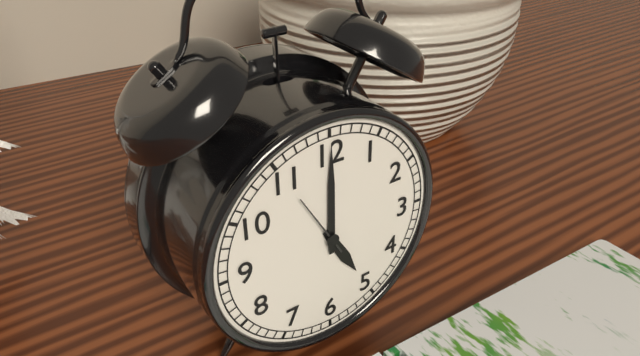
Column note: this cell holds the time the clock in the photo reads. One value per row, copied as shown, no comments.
5:00:55
